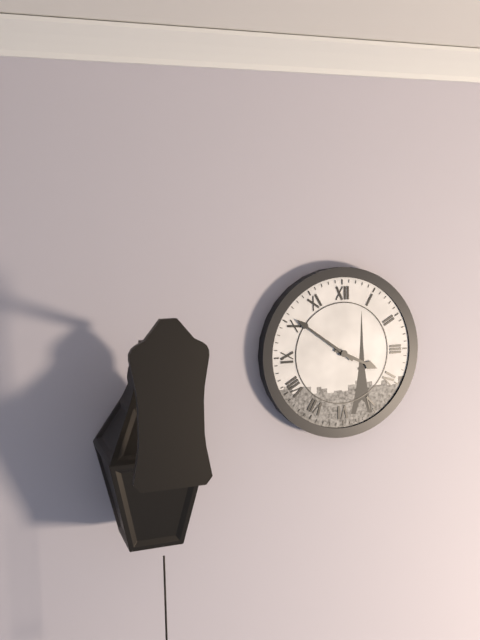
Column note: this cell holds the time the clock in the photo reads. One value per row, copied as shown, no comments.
3:51
